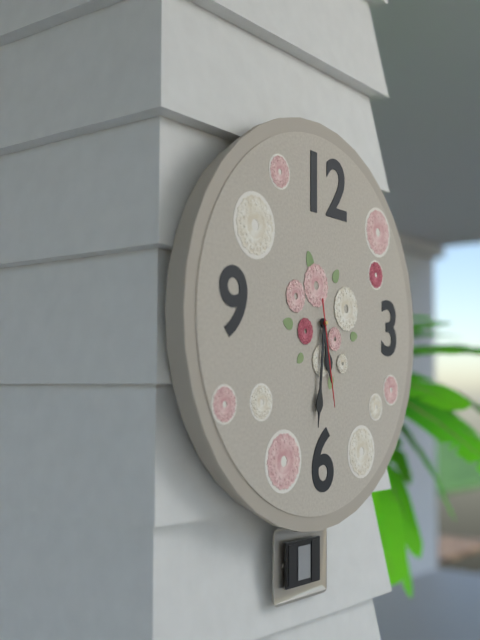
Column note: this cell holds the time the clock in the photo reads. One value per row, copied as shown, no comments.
5:31:28
